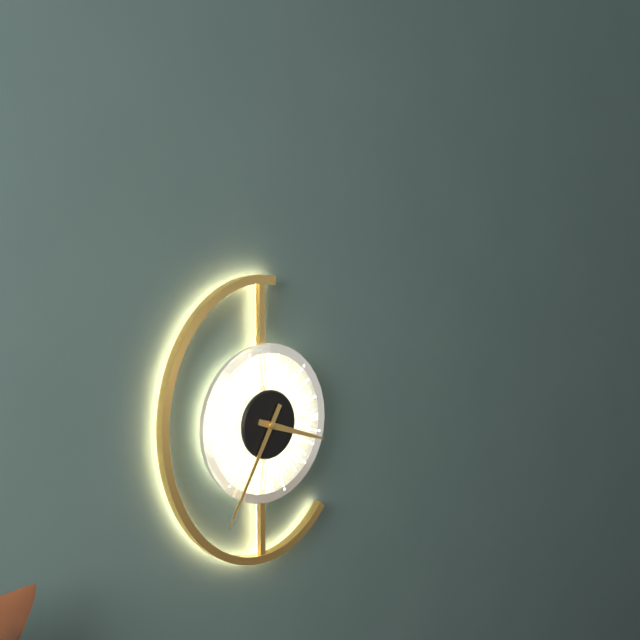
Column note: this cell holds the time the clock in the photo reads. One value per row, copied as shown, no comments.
3:35
